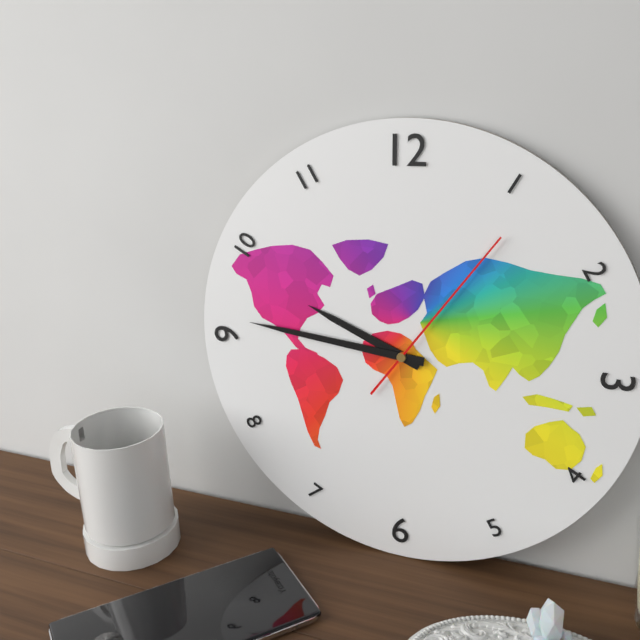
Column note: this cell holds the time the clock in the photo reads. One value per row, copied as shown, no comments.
9:46:06
